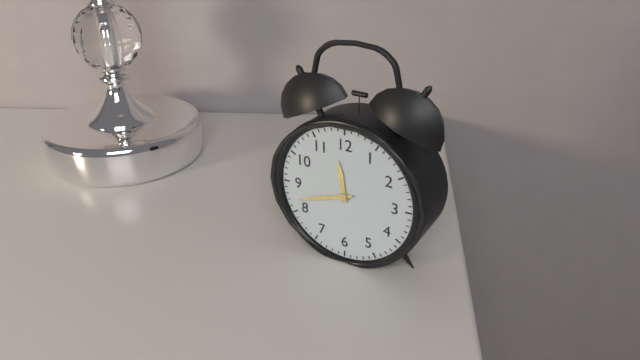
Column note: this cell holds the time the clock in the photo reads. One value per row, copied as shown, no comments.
11:42
